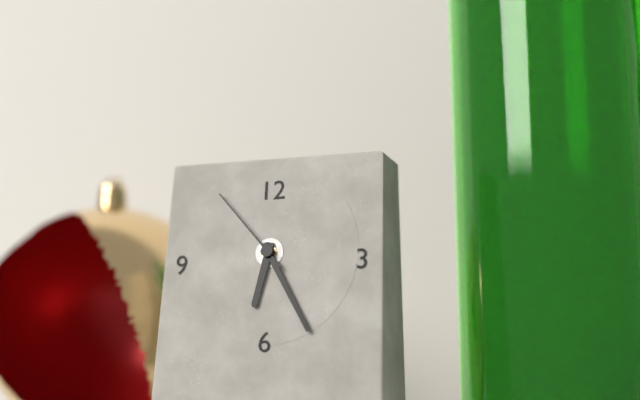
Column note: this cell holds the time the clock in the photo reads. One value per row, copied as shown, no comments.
6:25:53
